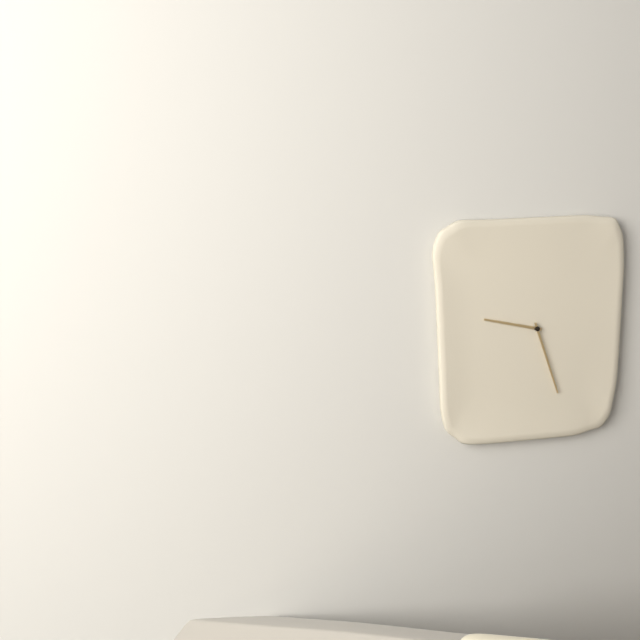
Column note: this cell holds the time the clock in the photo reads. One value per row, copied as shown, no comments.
9:27
